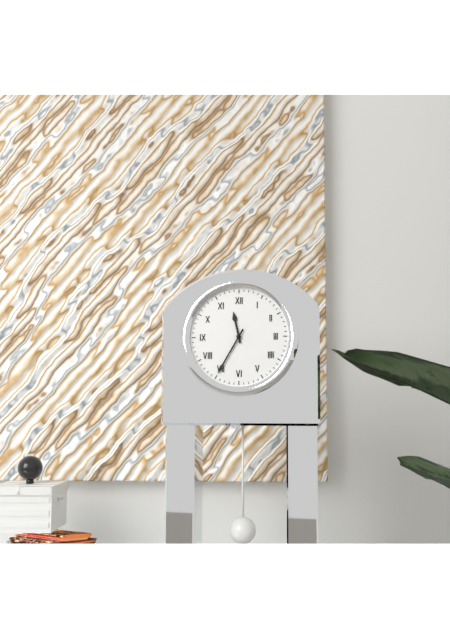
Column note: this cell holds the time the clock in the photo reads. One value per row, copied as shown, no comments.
11:35
